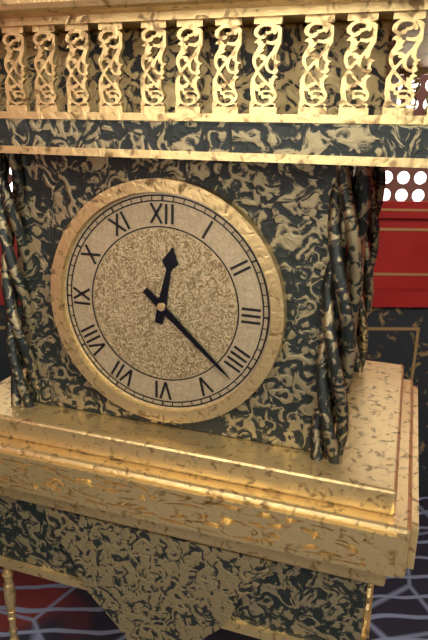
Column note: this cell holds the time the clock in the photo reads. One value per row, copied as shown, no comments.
12:22
